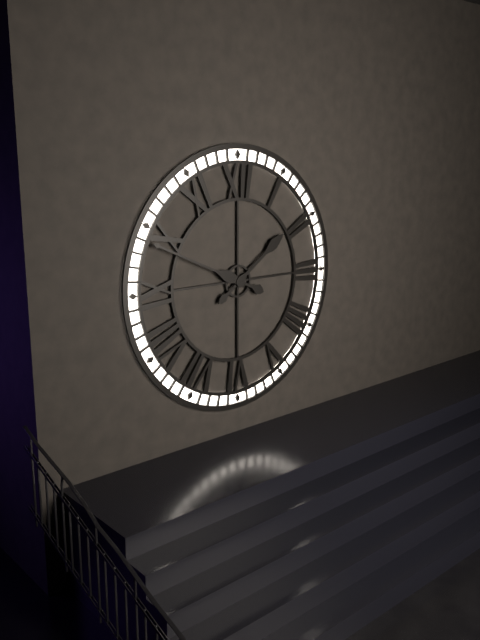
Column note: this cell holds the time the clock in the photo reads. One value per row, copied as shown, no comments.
1:49
